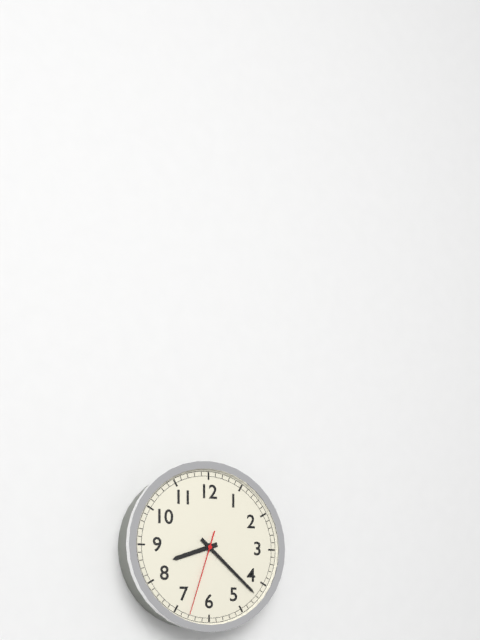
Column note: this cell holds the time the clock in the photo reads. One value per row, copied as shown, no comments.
8:22:33
